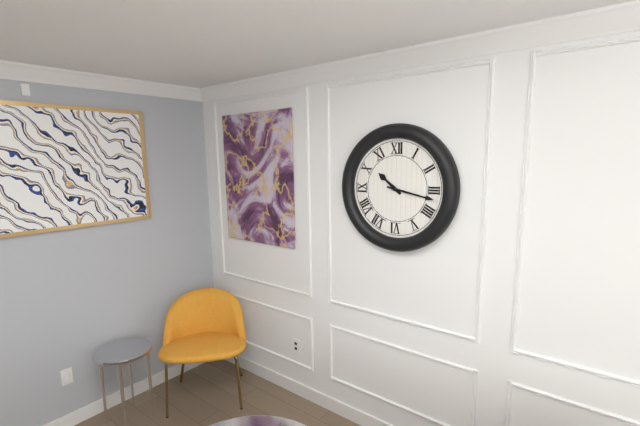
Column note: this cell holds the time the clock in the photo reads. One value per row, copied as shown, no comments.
10:17
